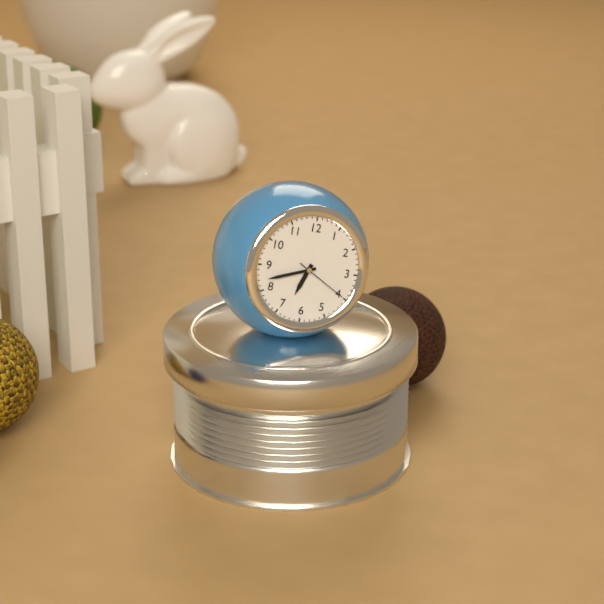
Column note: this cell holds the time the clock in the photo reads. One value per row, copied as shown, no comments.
6:42:20
